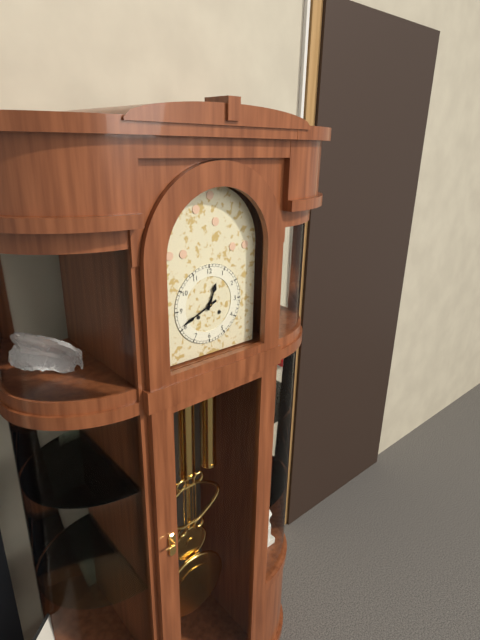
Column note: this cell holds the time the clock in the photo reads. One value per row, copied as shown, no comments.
12:41
